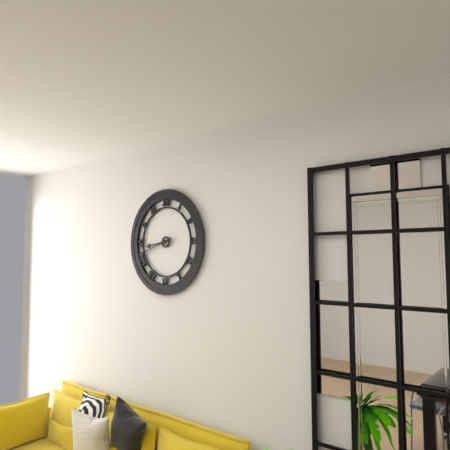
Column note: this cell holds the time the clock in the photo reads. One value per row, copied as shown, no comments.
8:42
